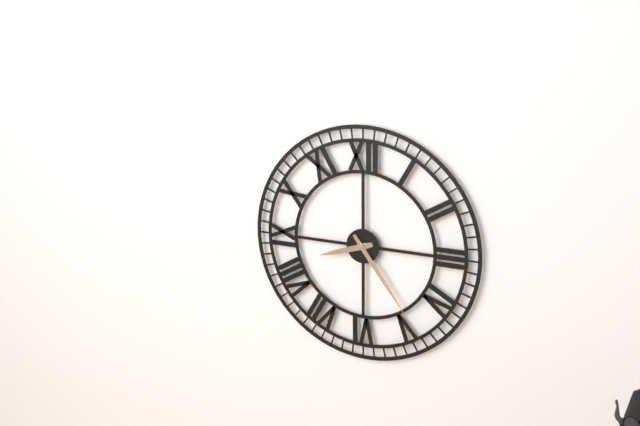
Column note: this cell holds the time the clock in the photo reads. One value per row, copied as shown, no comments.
8:24
